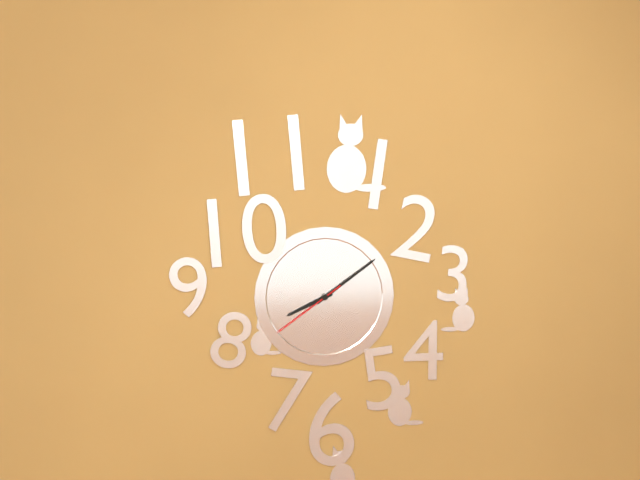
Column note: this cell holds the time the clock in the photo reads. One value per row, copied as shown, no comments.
8:09:39
